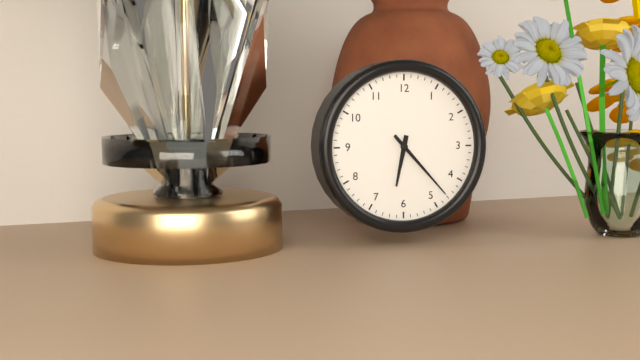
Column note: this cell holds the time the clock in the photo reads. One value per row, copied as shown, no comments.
6:23
